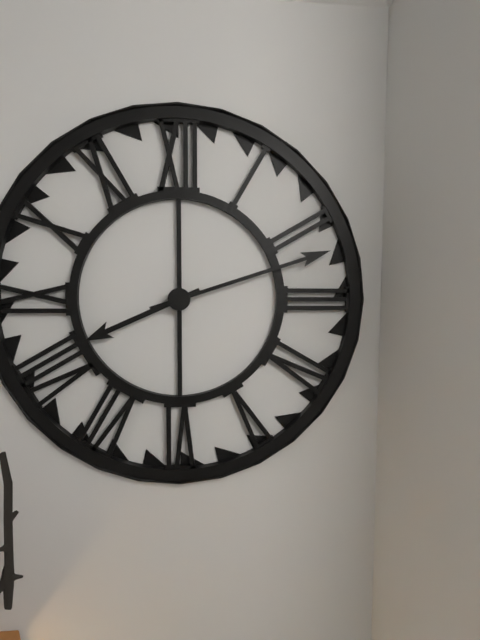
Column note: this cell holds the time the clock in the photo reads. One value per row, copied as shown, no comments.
8:12
